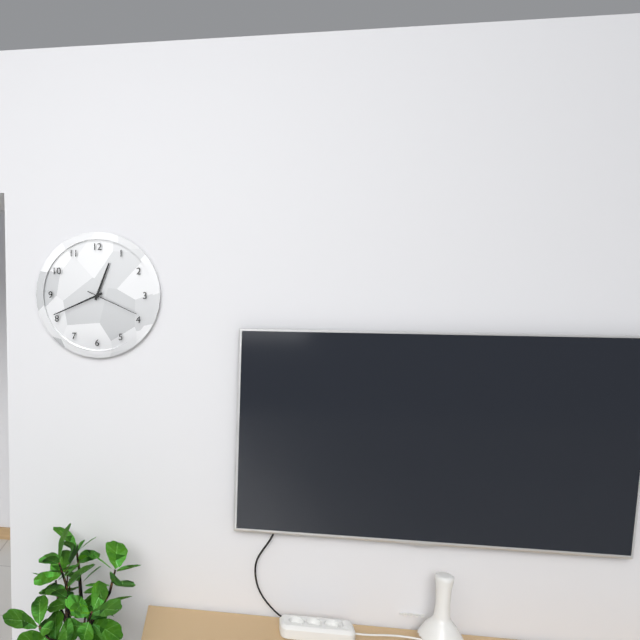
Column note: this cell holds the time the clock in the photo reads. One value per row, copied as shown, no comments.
12:41:19
